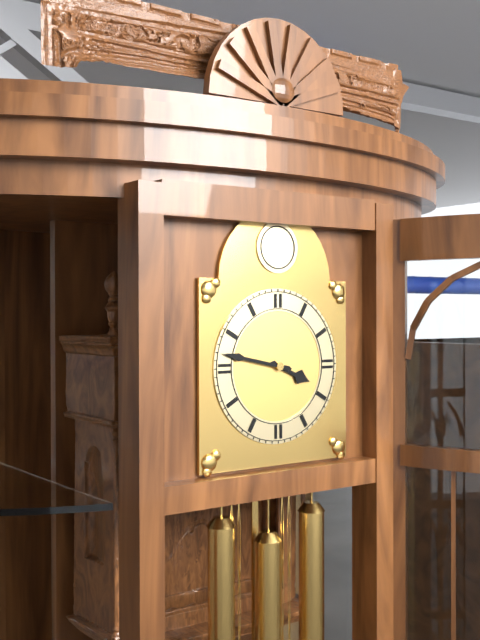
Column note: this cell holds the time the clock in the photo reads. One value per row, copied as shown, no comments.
3:47
